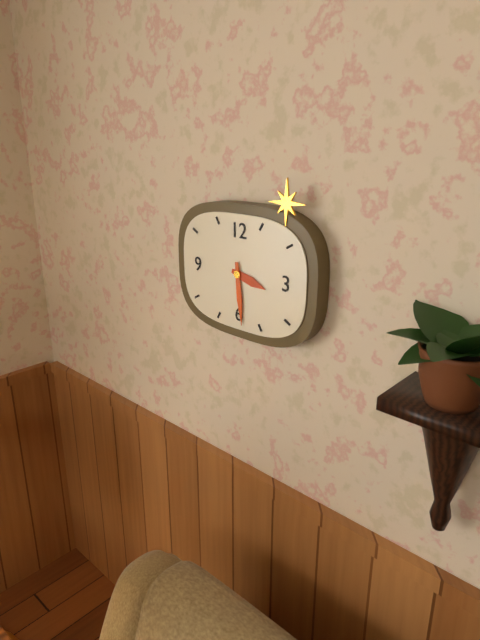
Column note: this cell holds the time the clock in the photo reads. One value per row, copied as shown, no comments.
3:29
